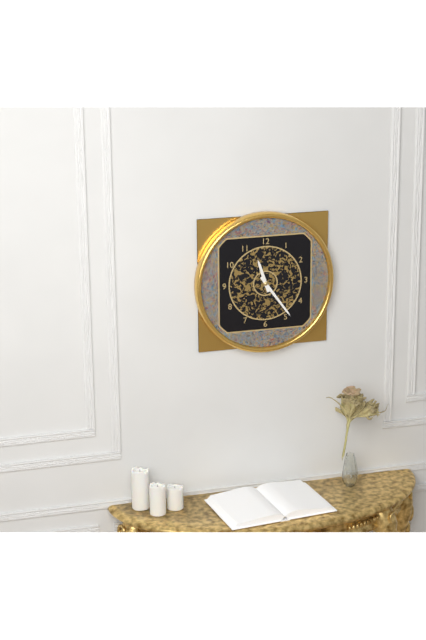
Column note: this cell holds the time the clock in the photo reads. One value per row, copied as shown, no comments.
11:24
